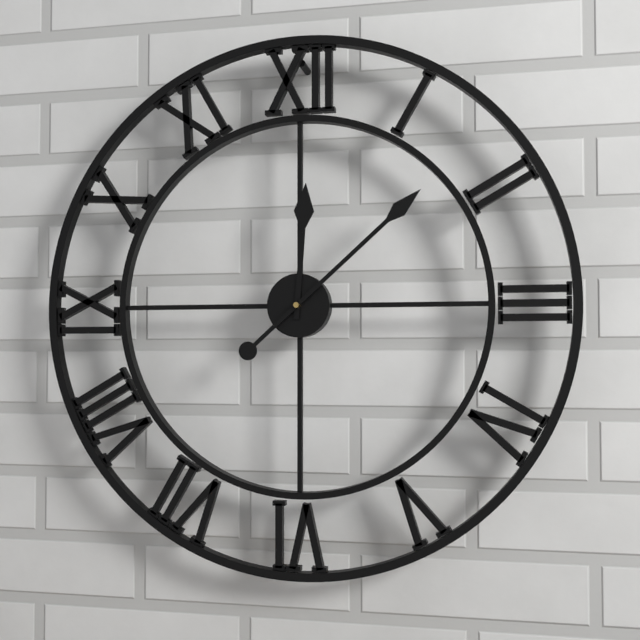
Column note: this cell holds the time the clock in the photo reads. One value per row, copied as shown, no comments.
12:08
